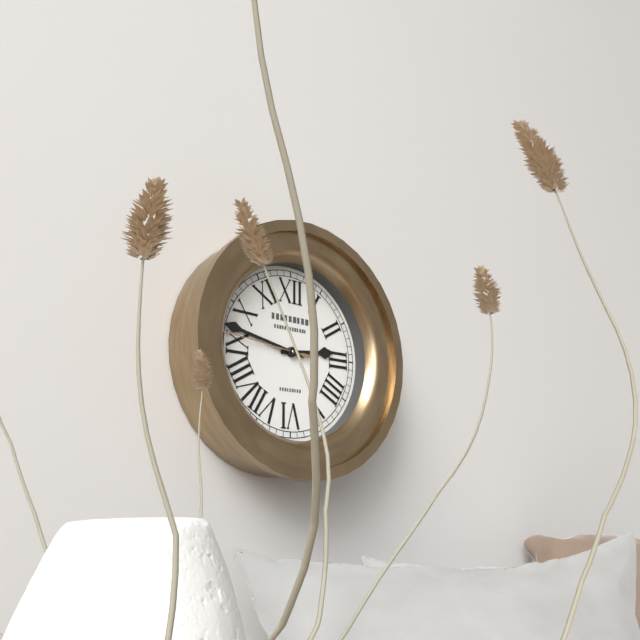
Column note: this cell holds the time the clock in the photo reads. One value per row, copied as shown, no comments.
2:47:46
